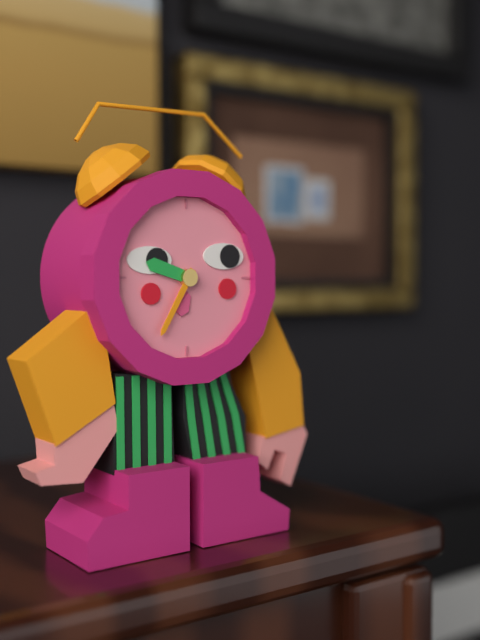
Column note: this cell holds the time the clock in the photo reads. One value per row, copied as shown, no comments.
9:35
